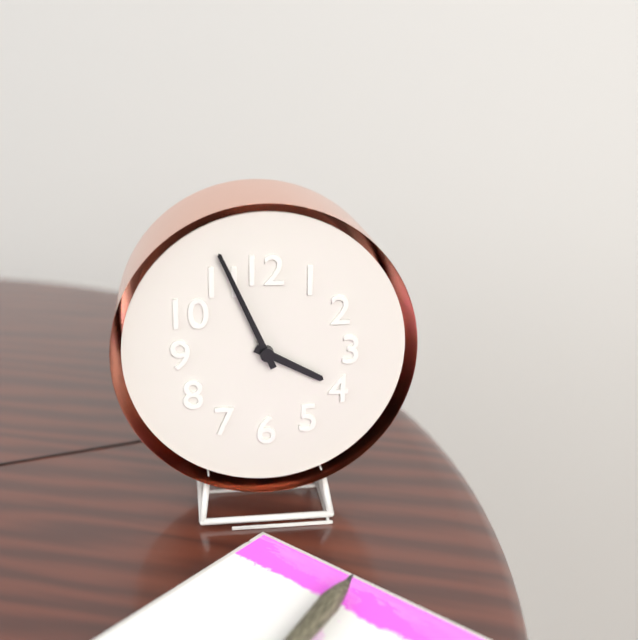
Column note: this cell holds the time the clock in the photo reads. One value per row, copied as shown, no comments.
3:56
